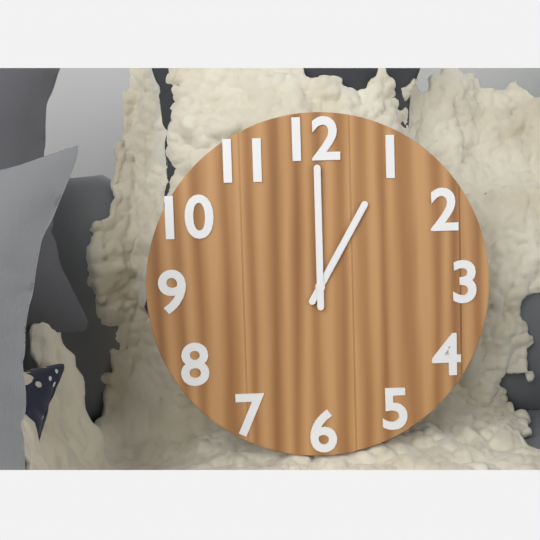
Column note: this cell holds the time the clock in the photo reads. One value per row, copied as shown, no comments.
1:00
